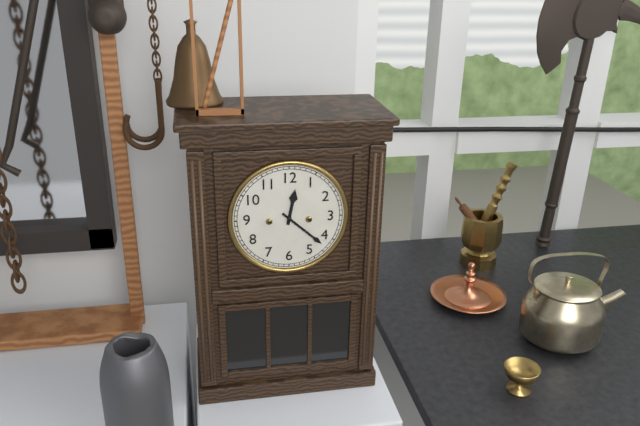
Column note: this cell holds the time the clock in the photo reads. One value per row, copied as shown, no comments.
12:22
